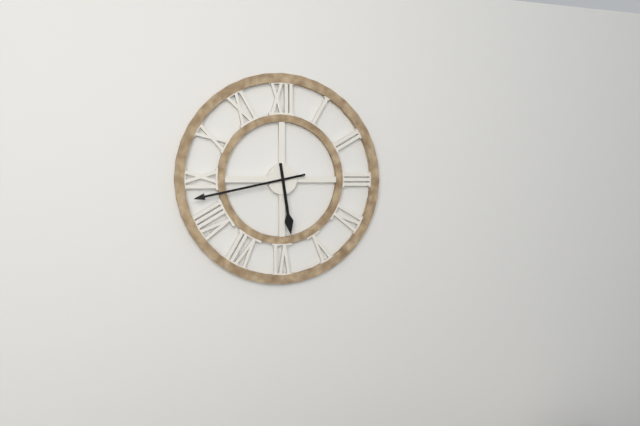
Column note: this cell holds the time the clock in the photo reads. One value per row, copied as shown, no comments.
5:43
